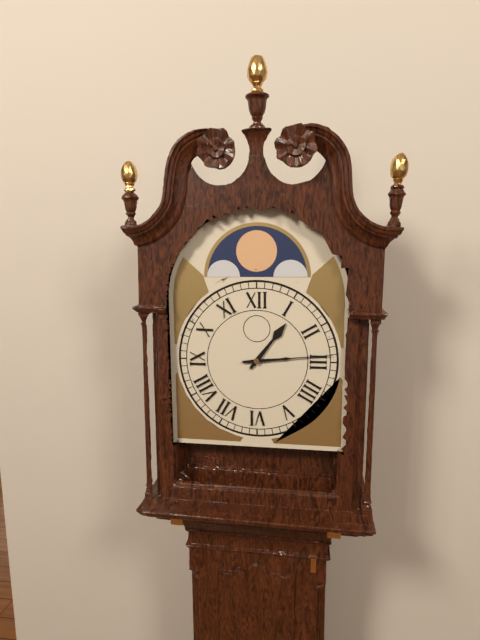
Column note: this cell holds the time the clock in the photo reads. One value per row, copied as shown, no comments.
1:14
